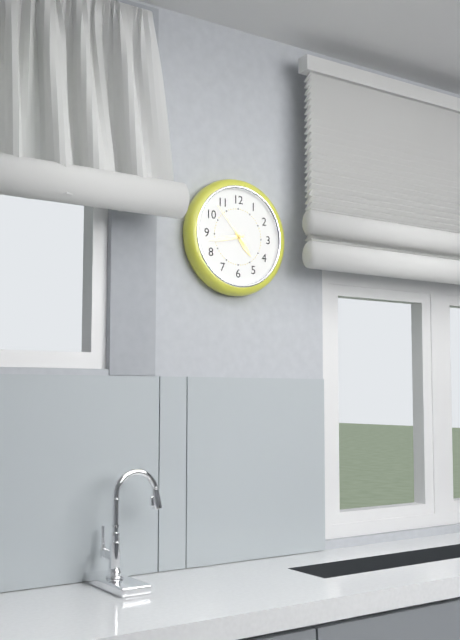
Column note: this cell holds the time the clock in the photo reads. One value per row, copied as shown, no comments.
4:43
